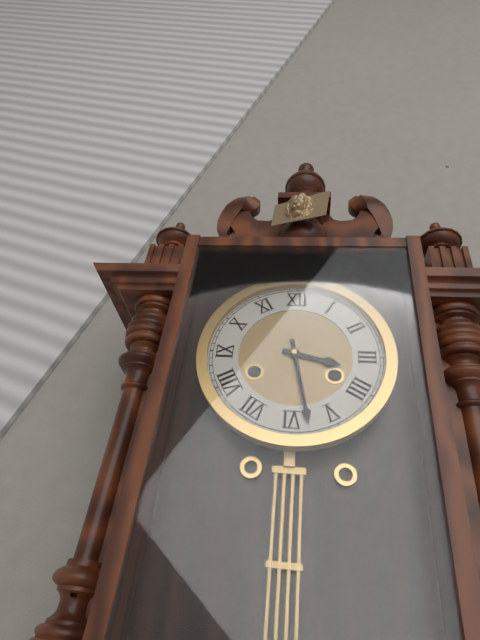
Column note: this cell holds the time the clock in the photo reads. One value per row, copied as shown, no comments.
3:28
